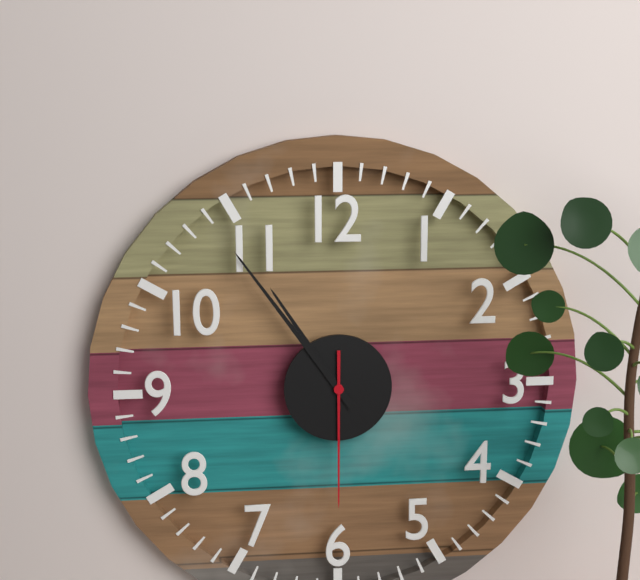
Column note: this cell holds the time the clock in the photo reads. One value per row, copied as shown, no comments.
10:54:30
